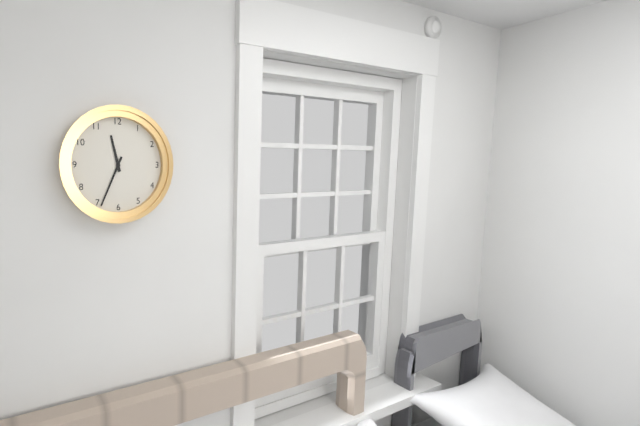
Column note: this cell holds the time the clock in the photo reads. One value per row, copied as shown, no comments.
11:34
